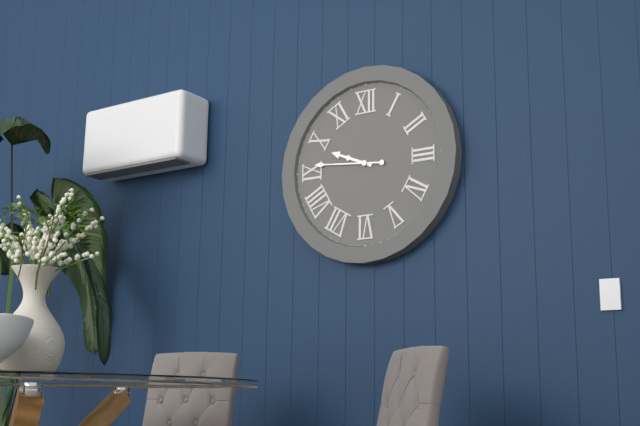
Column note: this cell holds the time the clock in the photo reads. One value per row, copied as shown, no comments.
9:46
